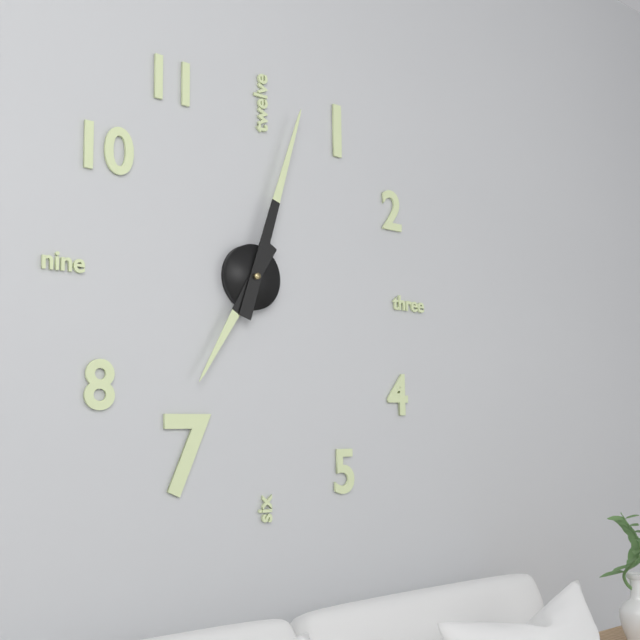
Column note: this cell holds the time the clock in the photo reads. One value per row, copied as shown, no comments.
7:03
